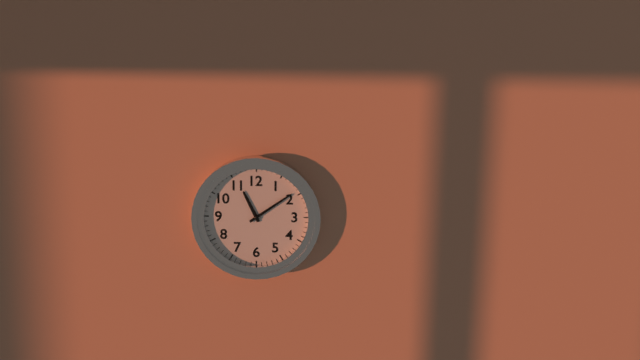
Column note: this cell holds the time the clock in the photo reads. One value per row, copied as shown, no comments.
11:09
